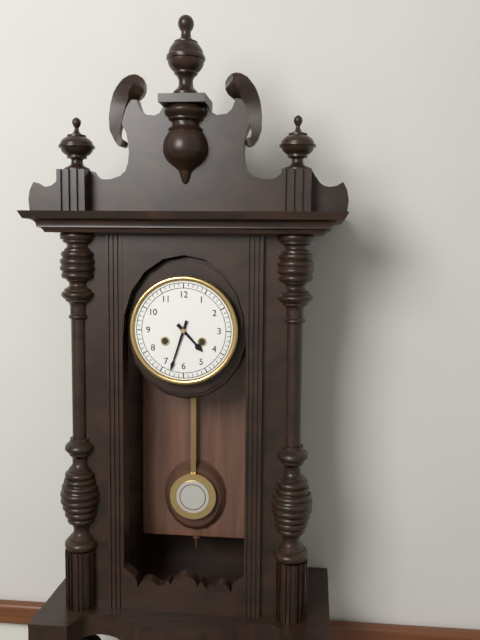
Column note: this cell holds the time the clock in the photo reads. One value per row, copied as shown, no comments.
4:33
